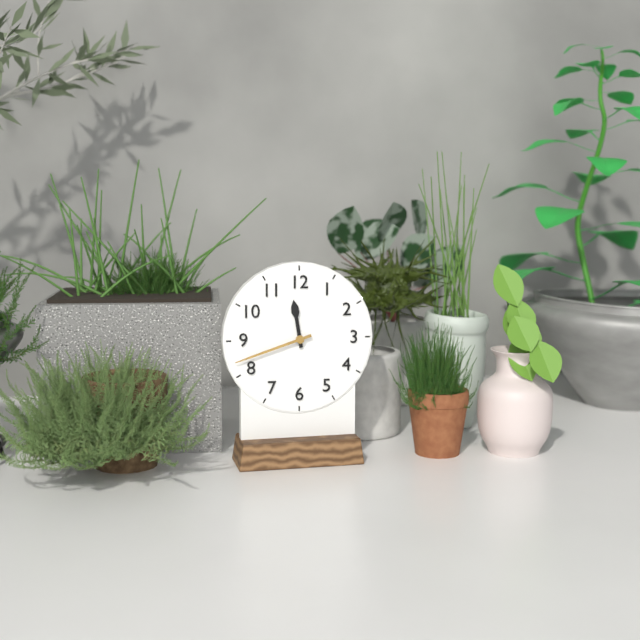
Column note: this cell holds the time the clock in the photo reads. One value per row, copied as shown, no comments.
11:42
